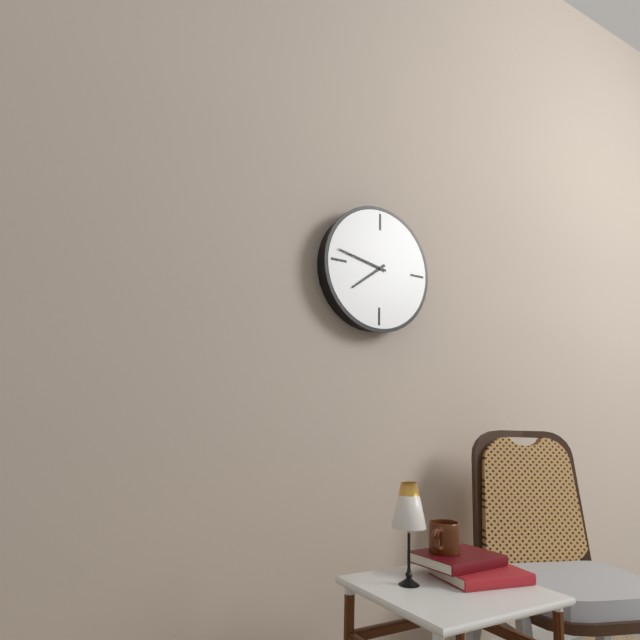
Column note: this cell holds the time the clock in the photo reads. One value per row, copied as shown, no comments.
7:47
